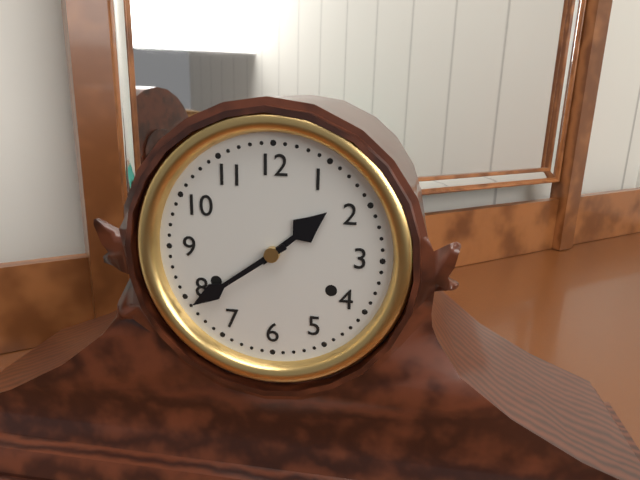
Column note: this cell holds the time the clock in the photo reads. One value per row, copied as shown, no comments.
1:39
